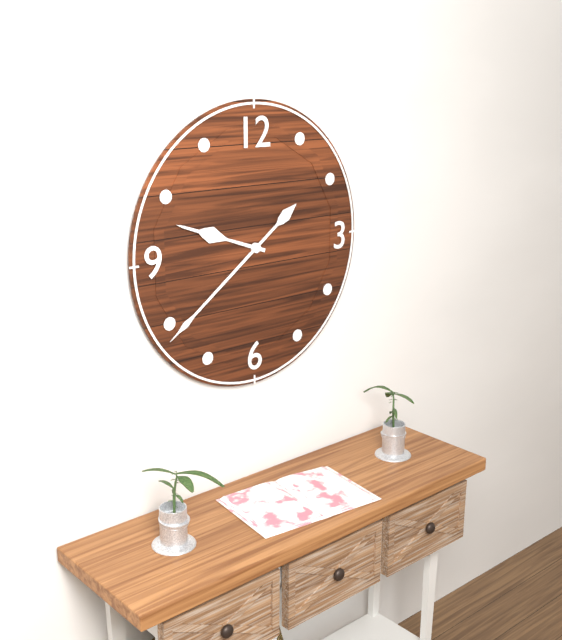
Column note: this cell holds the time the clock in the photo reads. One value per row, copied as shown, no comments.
9:39
